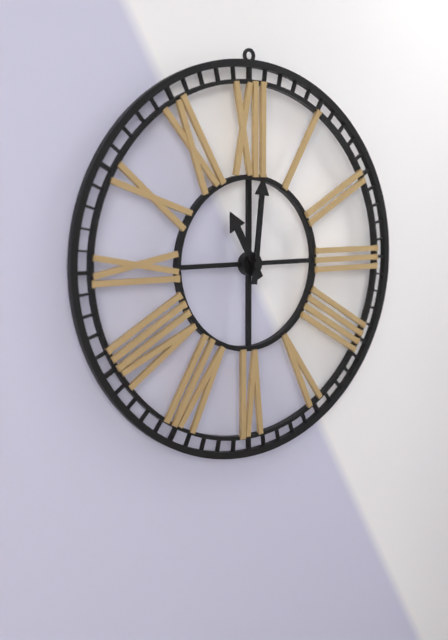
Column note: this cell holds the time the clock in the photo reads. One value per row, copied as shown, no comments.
11:01
